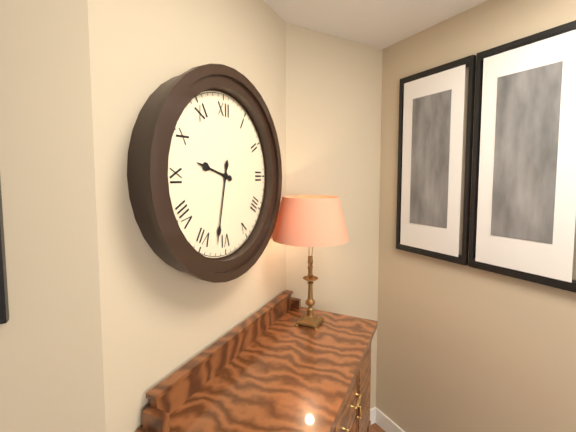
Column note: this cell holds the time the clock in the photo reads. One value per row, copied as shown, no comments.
9:32
